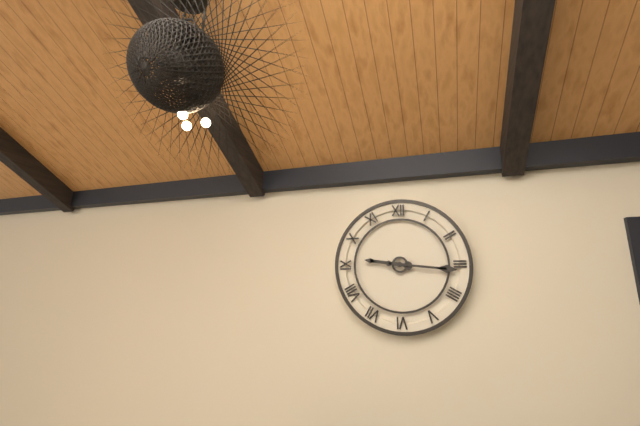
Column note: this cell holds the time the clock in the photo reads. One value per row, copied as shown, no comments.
9:16
